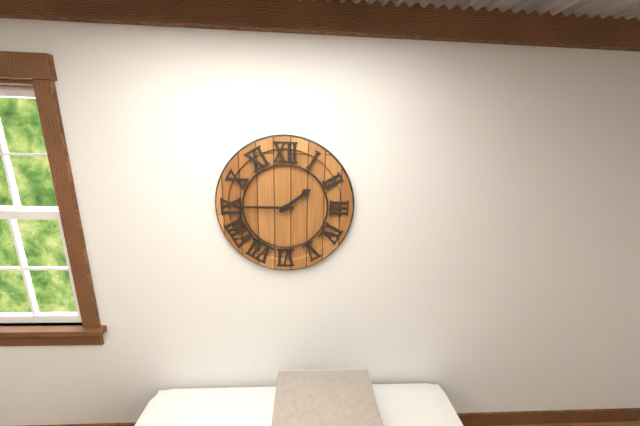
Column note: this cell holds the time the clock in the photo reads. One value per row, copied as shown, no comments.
1:45
